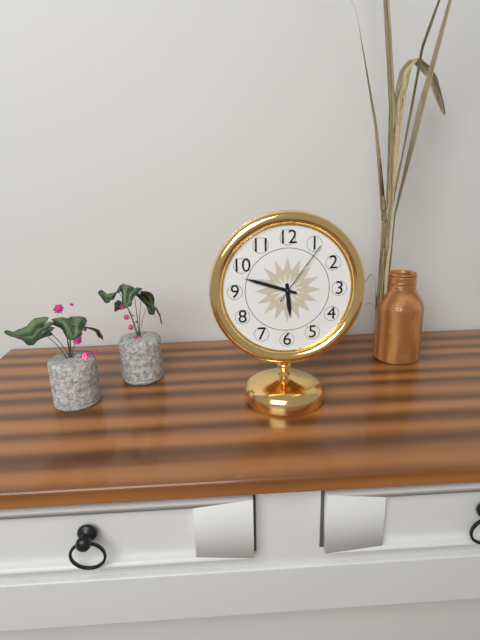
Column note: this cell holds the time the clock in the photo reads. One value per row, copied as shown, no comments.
5:48:06
